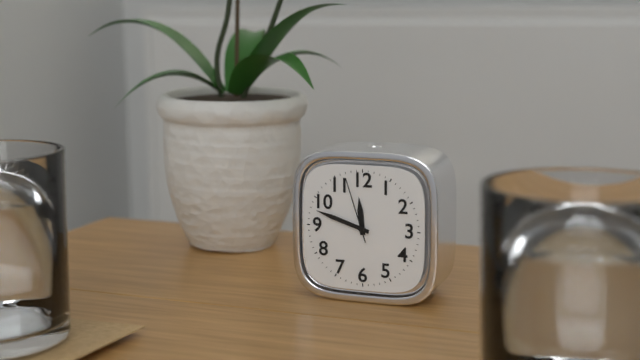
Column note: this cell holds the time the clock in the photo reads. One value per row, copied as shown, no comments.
11:48:57
